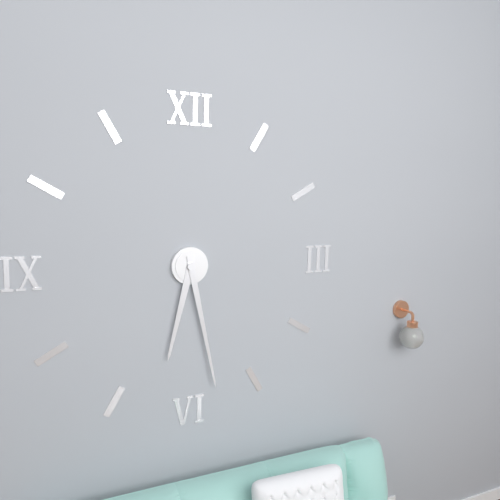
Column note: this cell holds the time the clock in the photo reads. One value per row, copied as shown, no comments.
6:28
